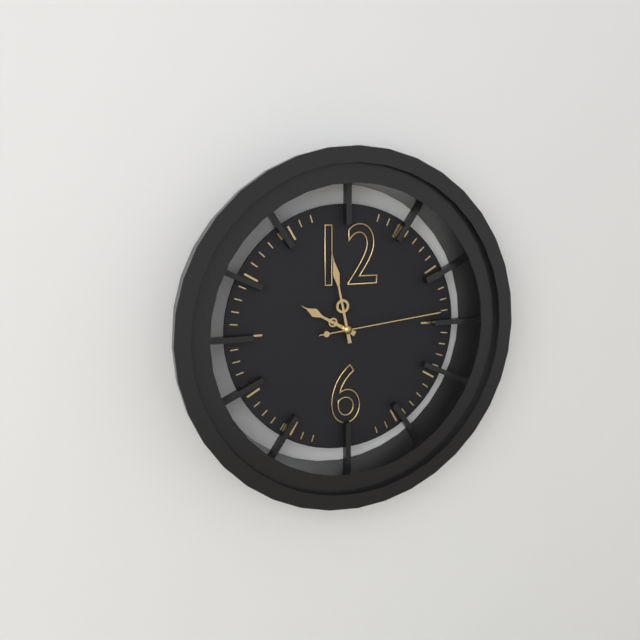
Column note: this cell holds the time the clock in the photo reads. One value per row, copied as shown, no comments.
9:58:14
